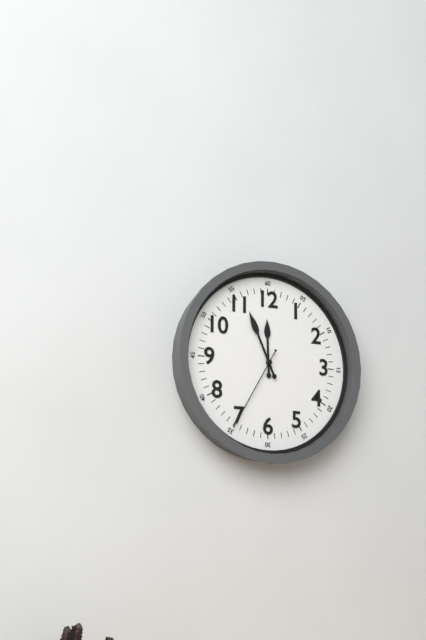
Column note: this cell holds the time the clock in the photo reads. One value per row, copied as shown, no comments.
11:56:35
